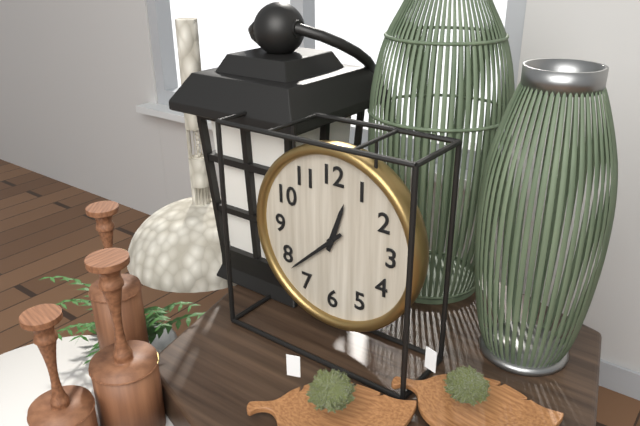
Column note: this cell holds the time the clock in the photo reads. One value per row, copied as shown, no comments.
12:38
